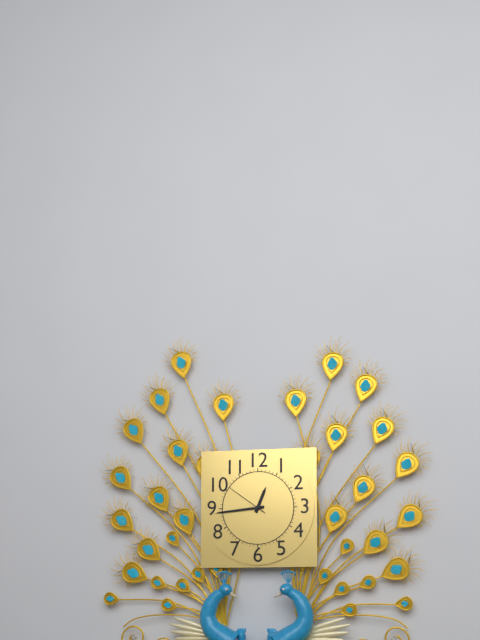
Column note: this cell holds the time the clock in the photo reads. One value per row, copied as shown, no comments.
12:44
